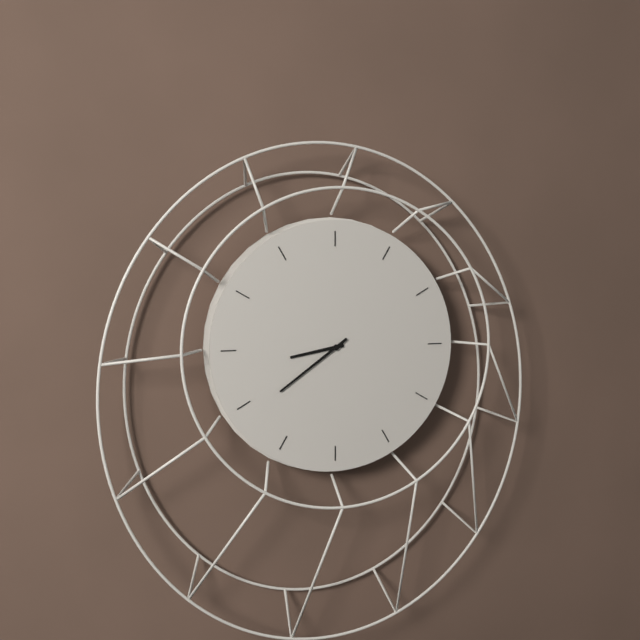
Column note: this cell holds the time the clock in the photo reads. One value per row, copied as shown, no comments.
8:39
